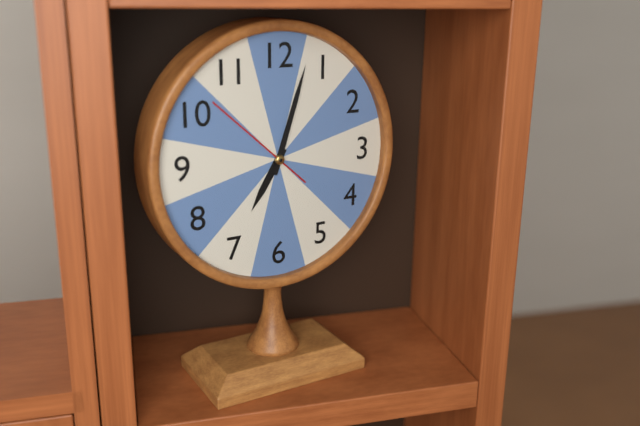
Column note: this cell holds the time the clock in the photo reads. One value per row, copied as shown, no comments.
7:03:52
